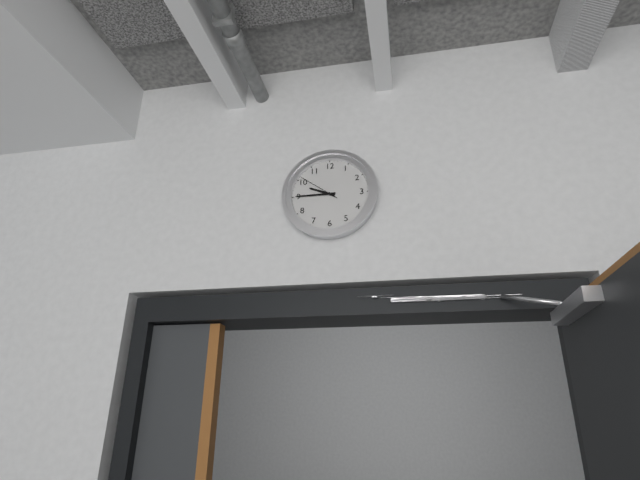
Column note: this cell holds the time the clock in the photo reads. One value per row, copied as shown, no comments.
9:45
